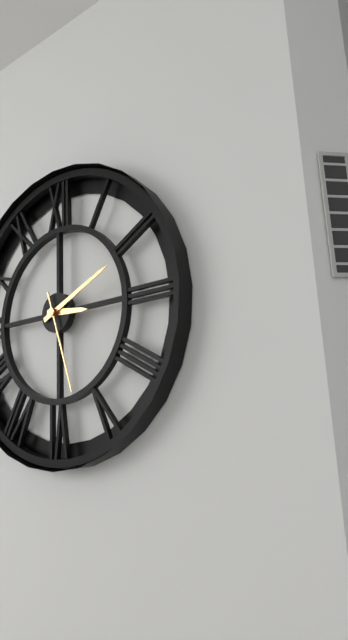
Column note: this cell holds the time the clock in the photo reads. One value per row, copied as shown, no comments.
3:11:27
